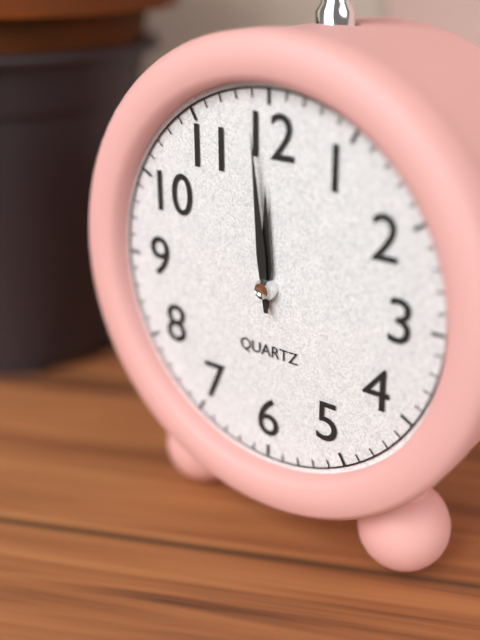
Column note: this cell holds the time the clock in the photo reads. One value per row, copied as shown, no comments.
11:59
